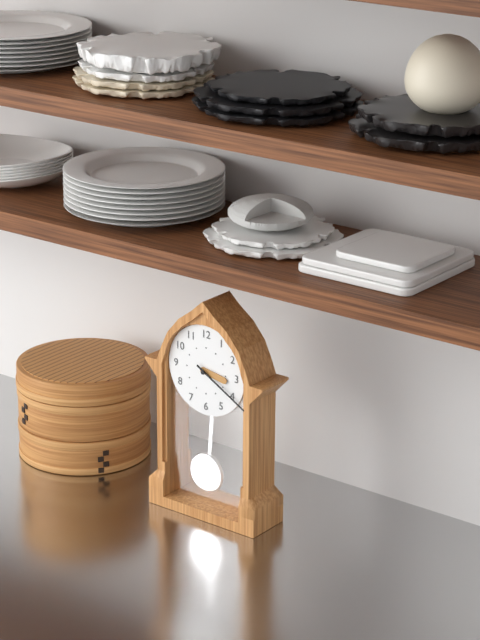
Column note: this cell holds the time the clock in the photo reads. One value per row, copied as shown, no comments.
3:20
